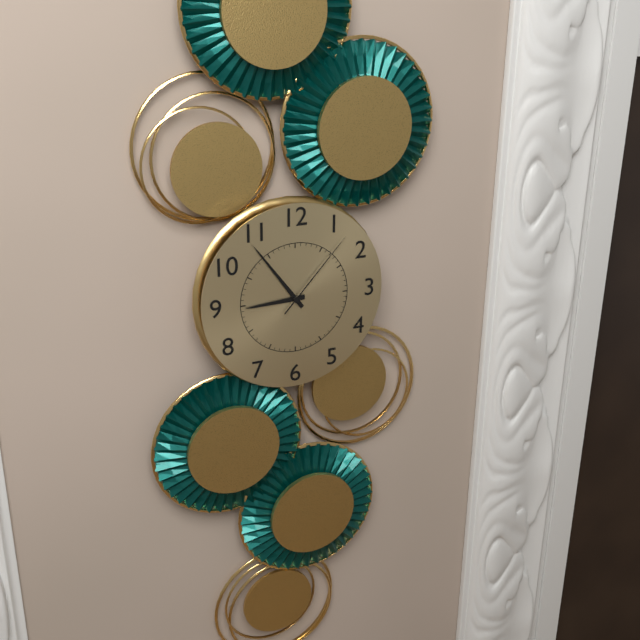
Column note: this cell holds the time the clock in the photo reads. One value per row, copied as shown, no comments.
8:54:07
